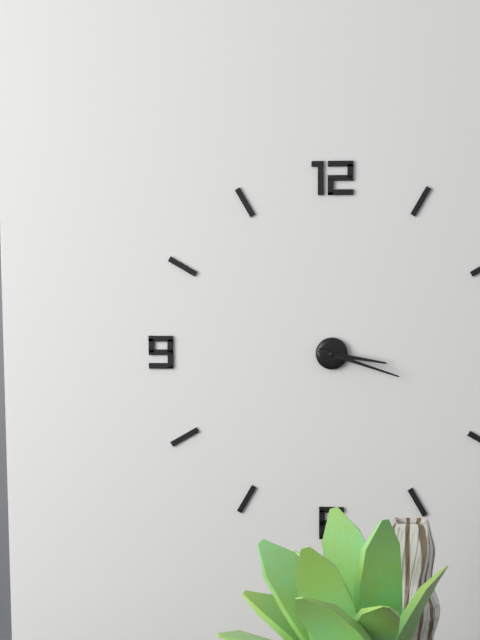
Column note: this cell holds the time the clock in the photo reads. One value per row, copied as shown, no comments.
3:18
